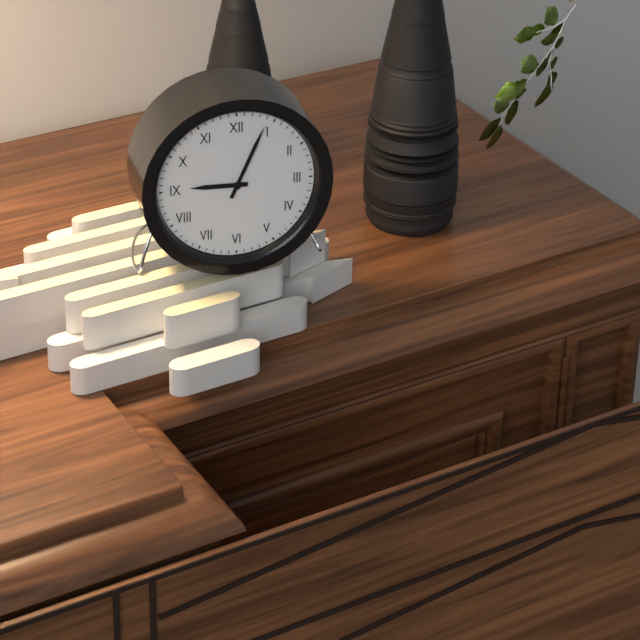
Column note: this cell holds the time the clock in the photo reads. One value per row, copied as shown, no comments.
9:04
